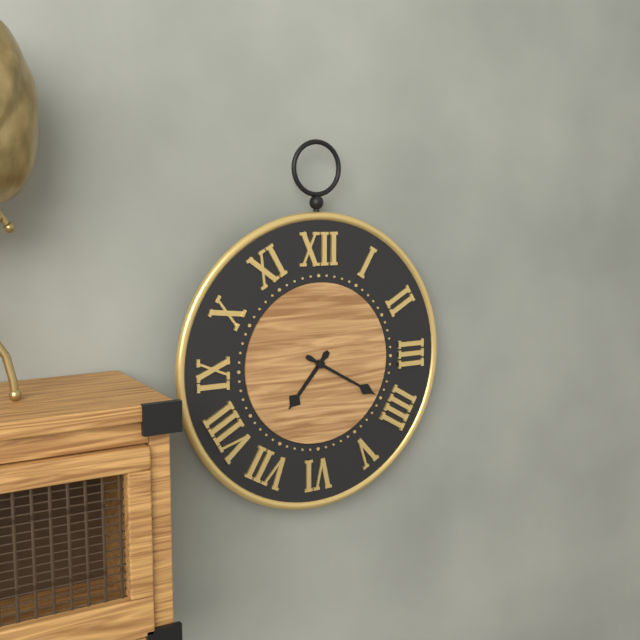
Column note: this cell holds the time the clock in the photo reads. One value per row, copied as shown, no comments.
7:20
